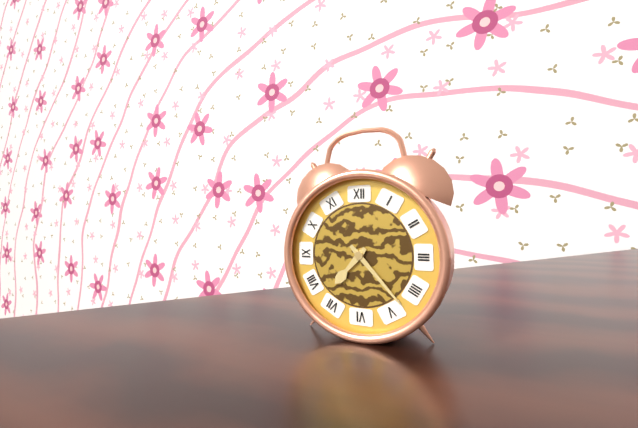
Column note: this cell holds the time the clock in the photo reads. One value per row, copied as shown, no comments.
7:23
